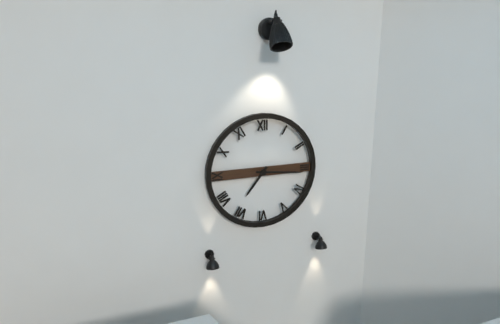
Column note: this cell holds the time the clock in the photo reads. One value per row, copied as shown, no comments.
7:16
